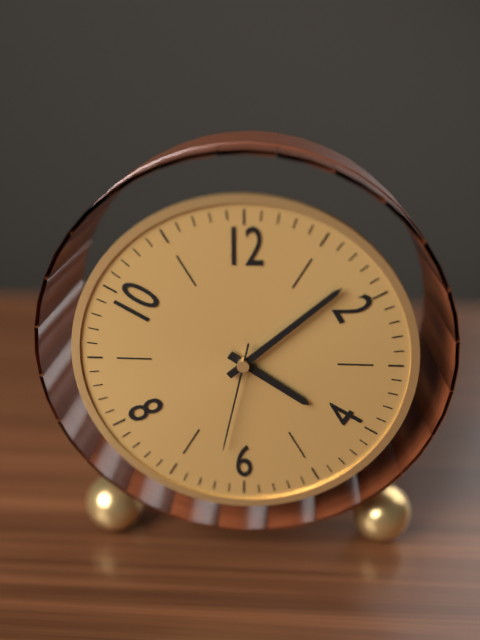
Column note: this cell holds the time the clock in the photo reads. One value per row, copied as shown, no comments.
4:08:32
